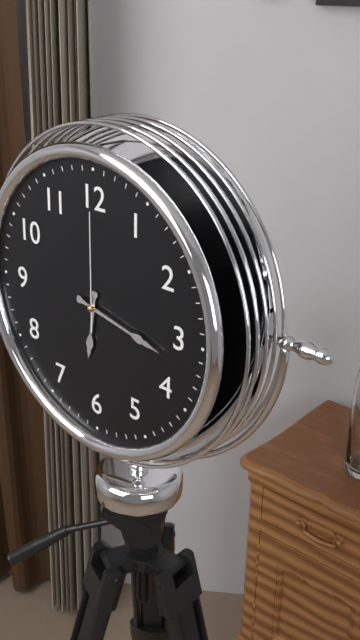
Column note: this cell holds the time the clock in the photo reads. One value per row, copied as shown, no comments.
6:17:00
